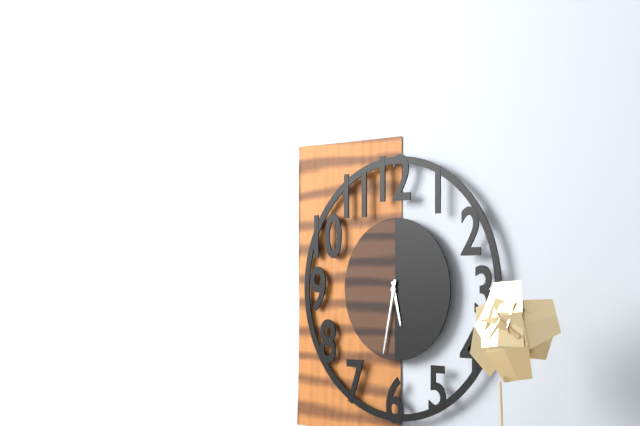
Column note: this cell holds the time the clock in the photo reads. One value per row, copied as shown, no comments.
5:32
